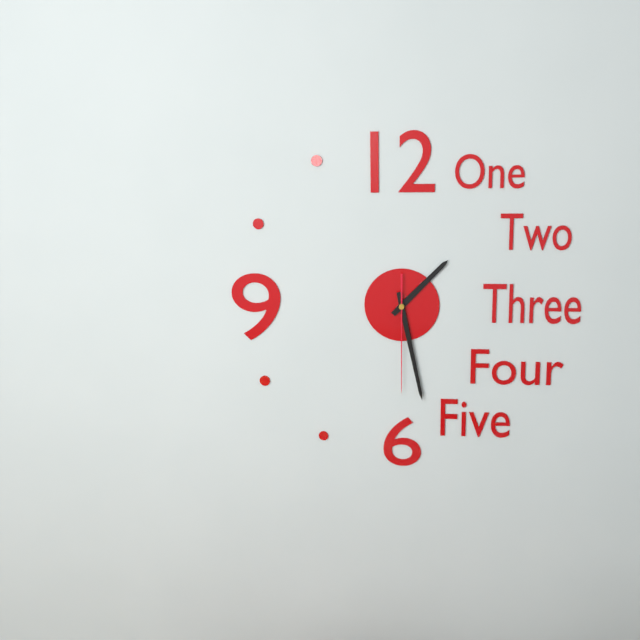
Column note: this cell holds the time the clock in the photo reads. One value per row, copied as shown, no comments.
1:28:30
